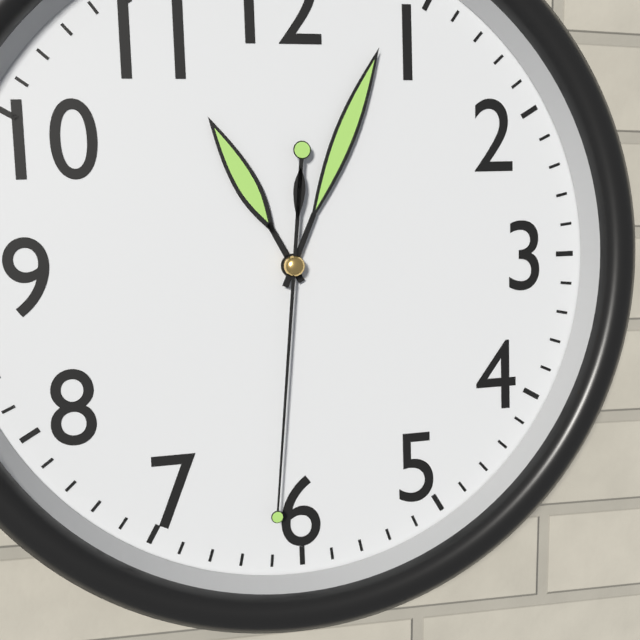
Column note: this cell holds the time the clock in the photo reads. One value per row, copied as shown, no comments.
11:04:31
